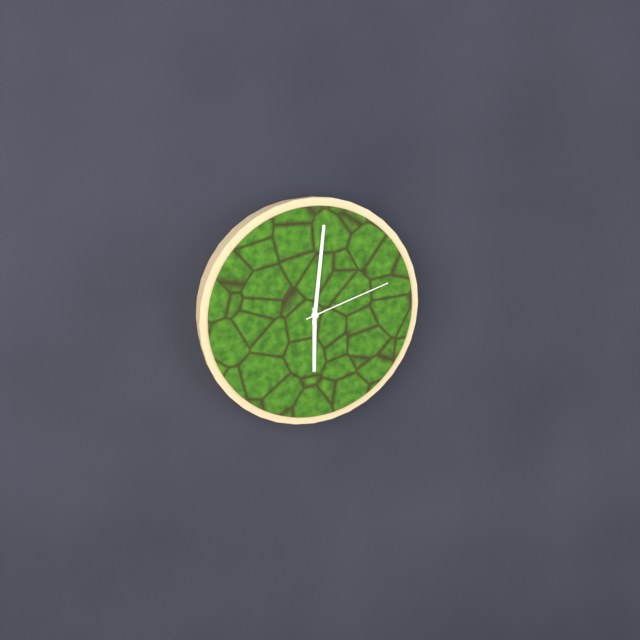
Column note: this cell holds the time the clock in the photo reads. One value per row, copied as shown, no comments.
6:01:12
